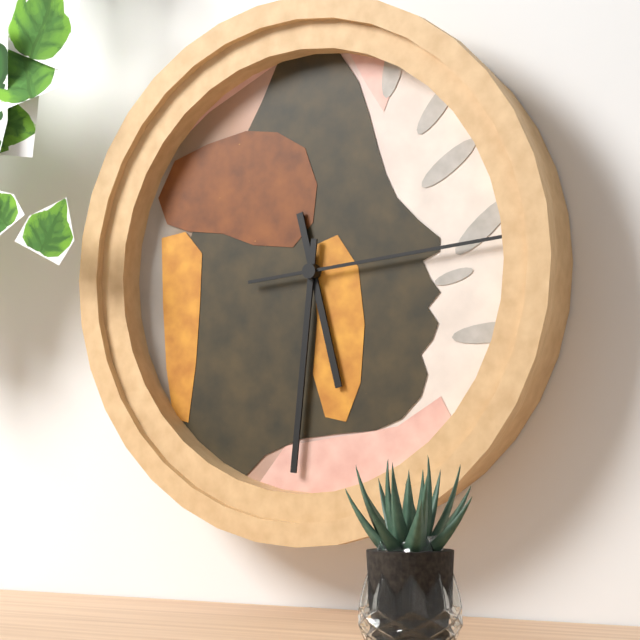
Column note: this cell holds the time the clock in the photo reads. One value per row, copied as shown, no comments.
5:31:14
